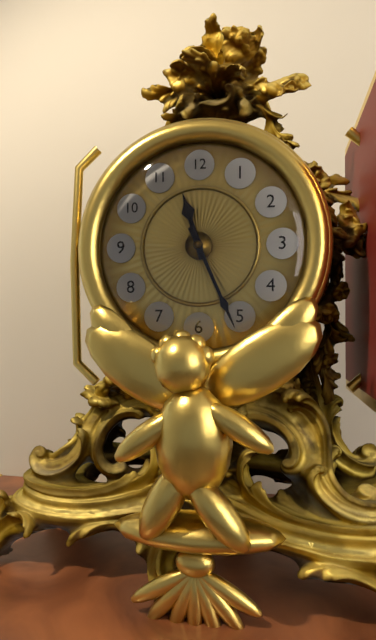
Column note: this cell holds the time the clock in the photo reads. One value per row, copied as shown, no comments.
11:26
